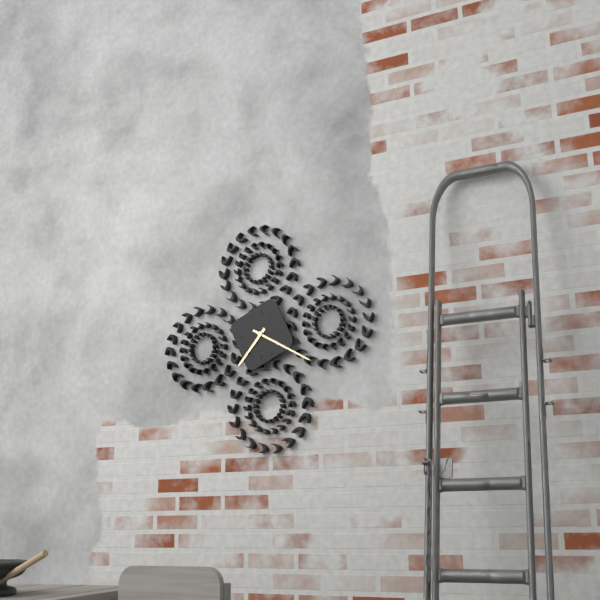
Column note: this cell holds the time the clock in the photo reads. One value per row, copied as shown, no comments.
7:20
